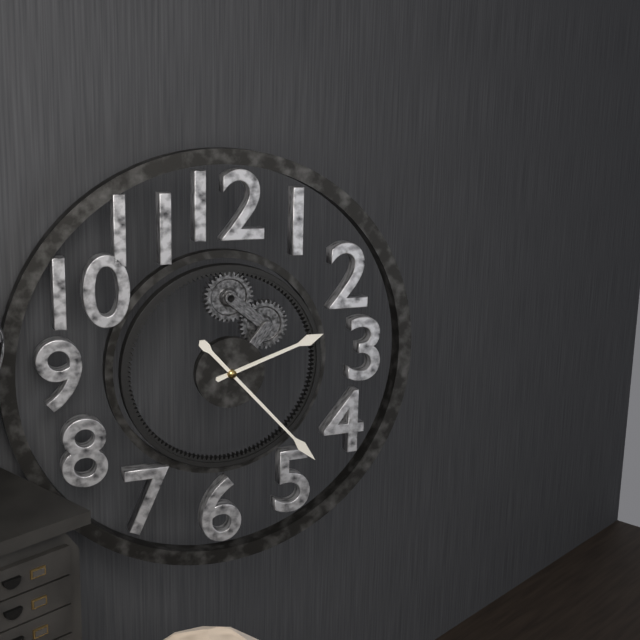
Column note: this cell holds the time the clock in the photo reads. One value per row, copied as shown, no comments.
2:23
